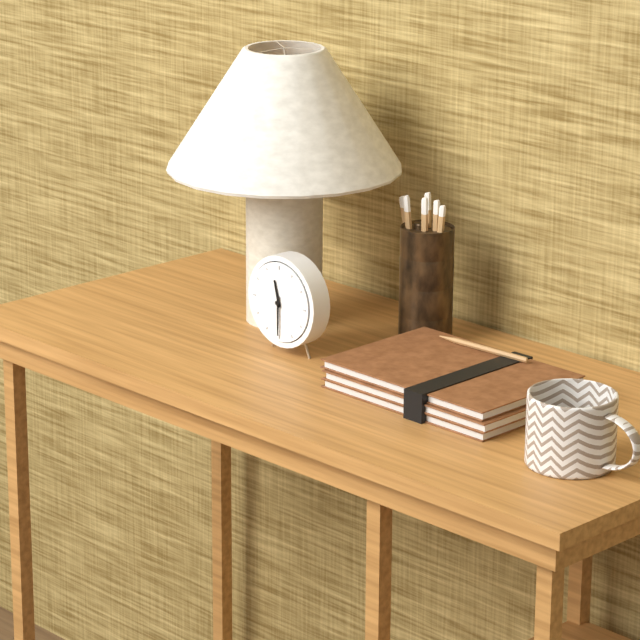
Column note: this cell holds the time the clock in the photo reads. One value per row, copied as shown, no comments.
11:30
